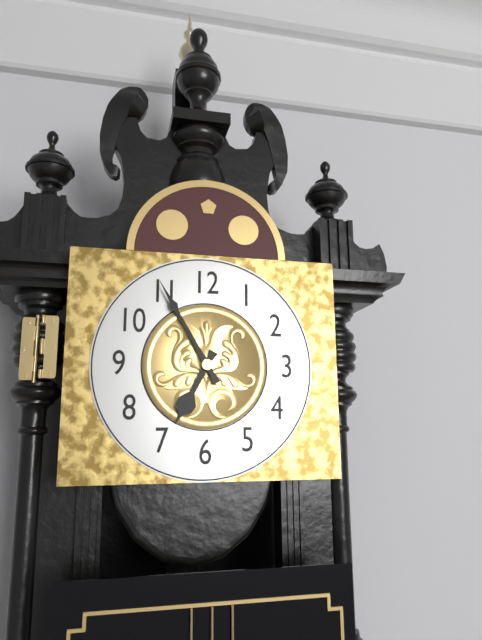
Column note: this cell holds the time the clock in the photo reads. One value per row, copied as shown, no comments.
6:55
